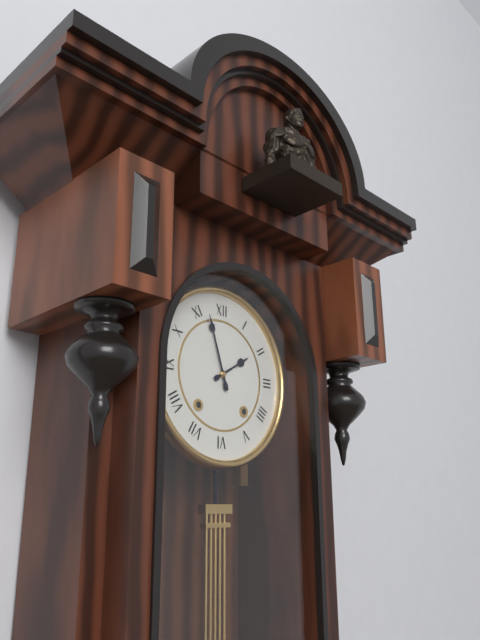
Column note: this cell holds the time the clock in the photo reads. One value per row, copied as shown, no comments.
1:57
